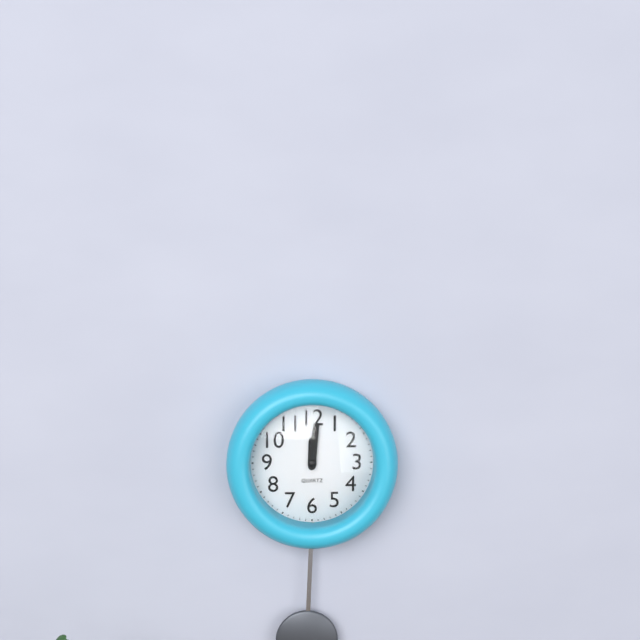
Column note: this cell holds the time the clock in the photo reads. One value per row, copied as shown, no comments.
12:01
